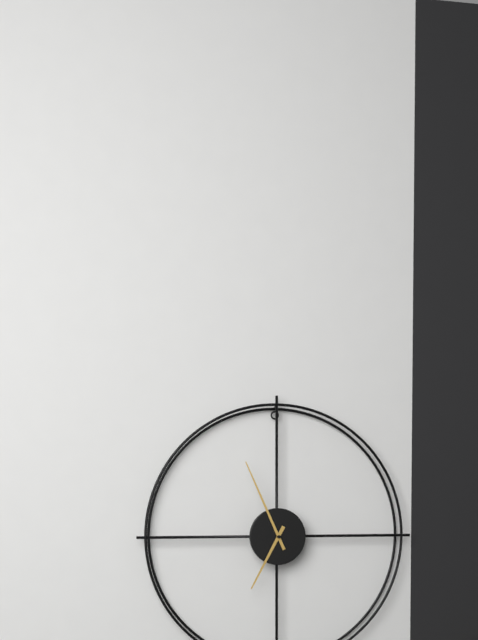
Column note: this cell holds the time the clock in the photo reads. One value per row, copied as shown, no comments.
6:56
